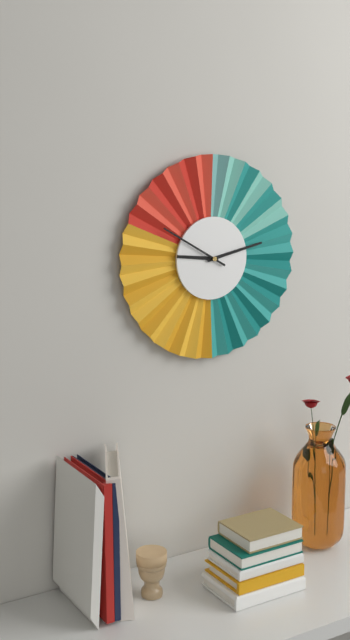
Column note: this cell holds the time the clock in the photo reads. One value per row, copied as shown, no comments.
9:13:50
